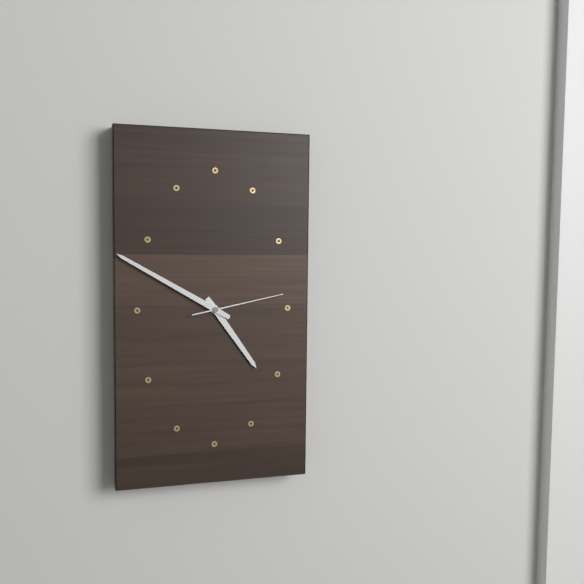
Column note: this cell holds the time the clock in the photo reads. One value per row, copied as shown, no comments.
4:50:13
